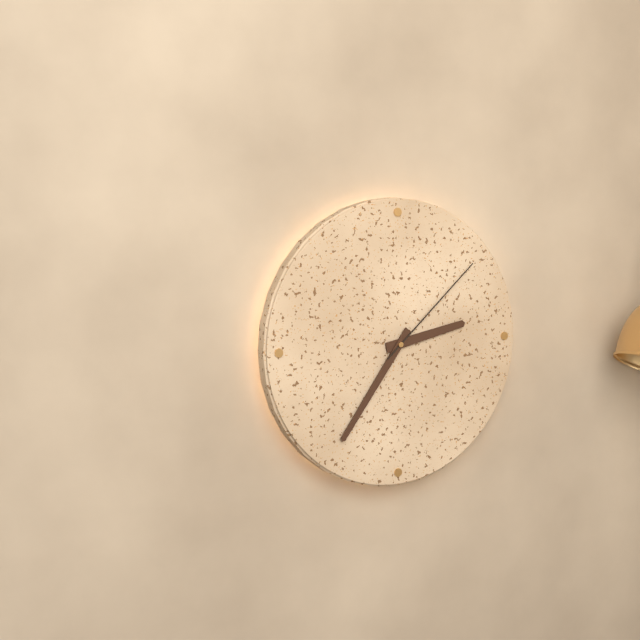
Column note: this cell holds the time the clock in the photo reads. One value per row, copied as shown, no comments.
2:36:08
